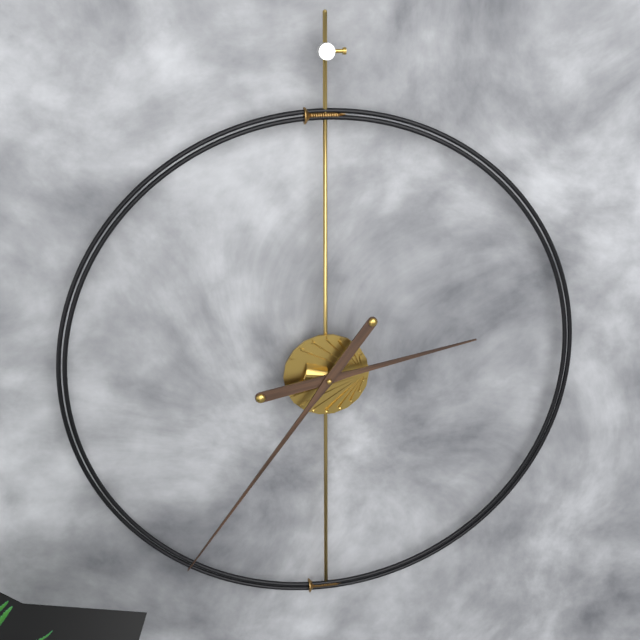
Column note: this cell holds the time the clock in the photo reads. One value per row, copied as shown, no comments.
2:36
